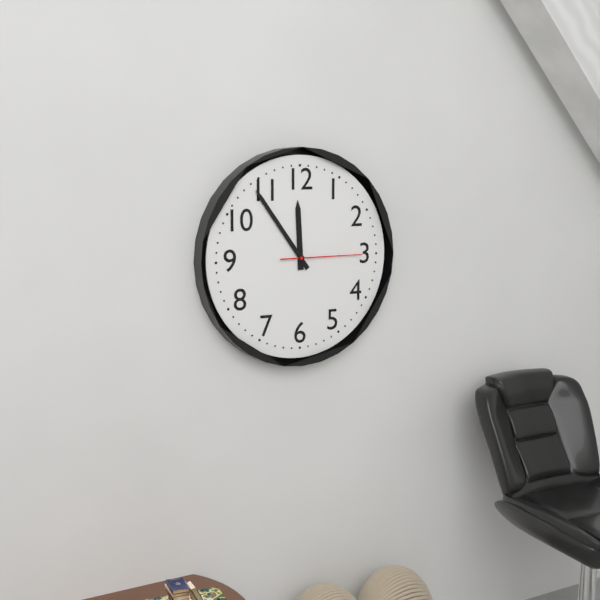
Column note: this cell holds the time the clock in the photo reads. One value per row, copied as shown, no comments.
11:54:15
